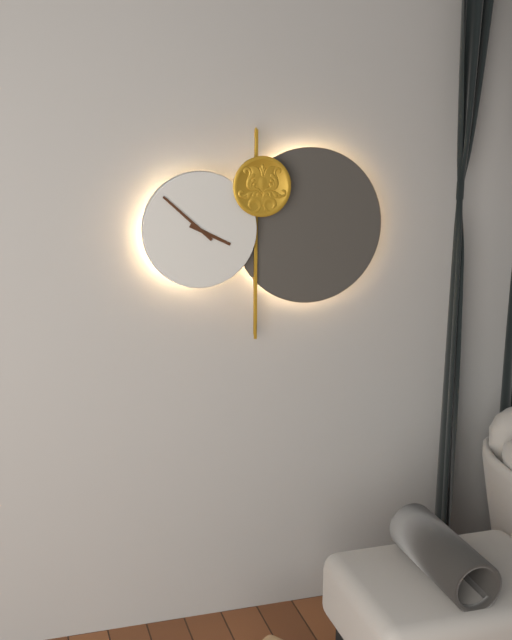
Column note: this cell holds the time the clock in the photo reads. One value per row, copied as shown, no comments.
3:52
